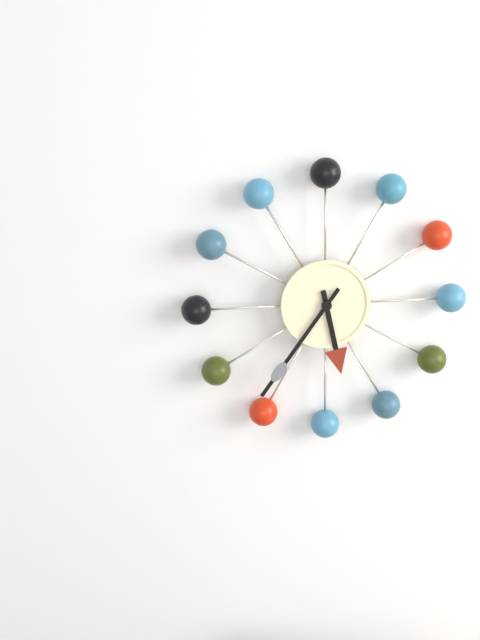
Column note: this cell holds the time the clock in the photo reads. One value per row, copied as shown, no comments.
5:36
